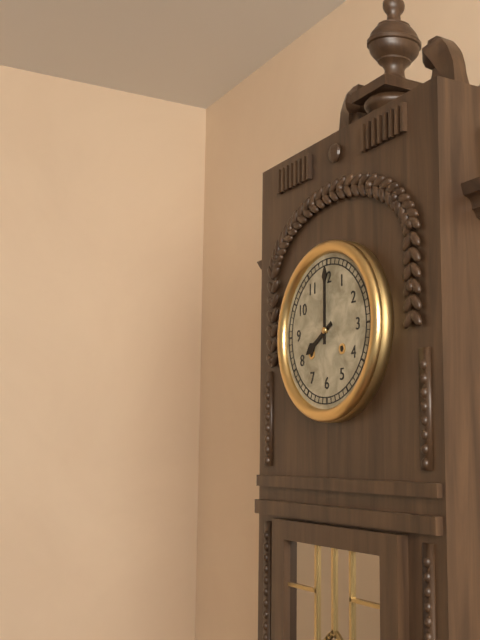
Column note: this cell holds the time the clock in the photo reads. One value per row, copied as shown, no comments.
8:00
